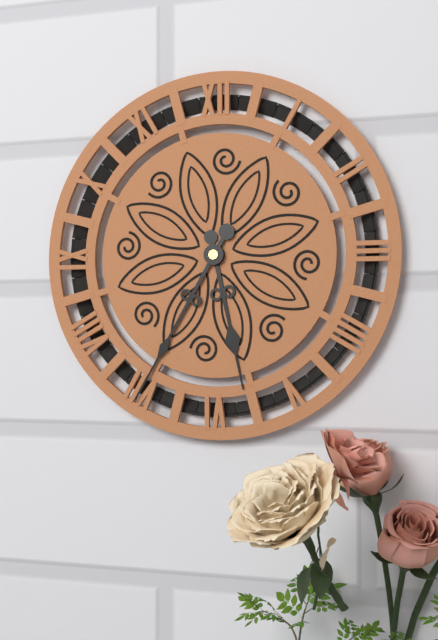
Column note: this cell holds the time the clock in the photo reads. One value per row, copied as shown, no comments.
5:35
